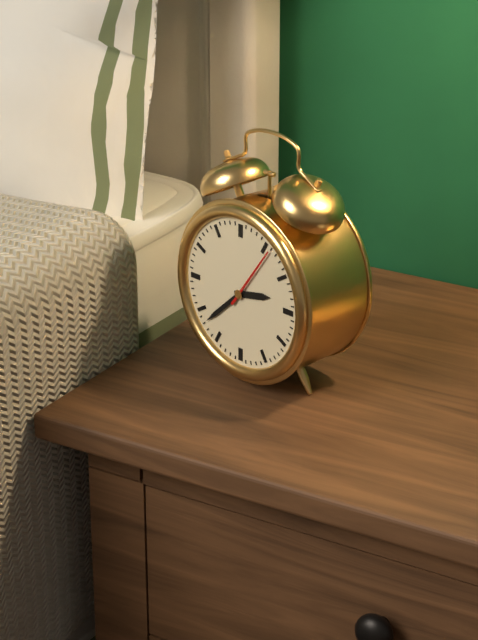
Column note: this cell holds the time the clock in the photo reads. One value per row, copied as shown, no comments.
2:38:06
